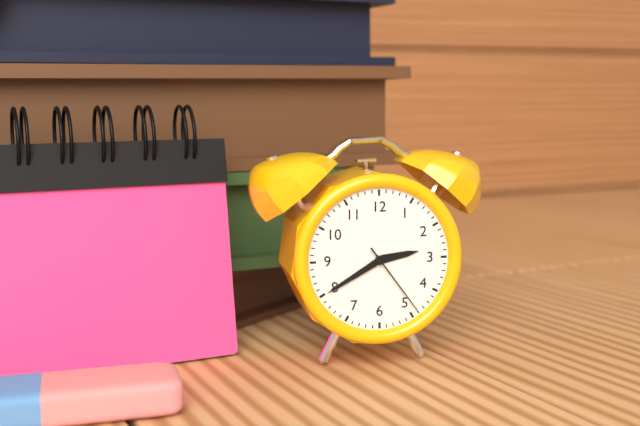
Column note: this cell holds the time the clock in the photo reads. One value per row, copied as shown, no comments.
2:40:24
